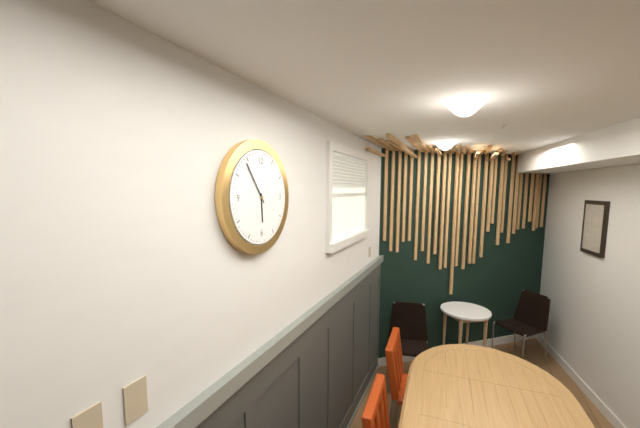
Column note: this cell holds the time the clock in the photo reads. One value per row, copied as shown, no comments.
5:54
